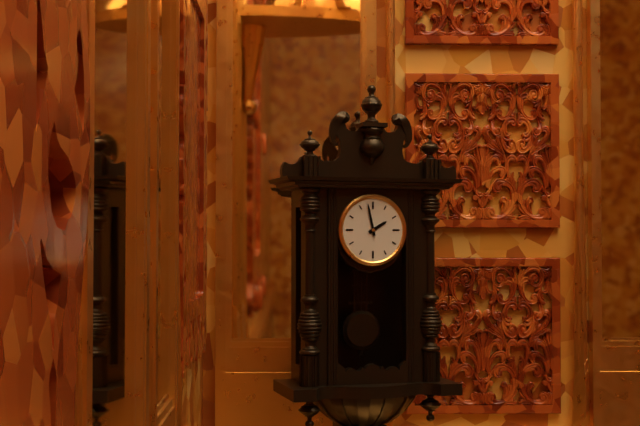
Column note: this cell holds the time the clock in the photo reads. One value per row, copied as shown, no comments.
1:58
